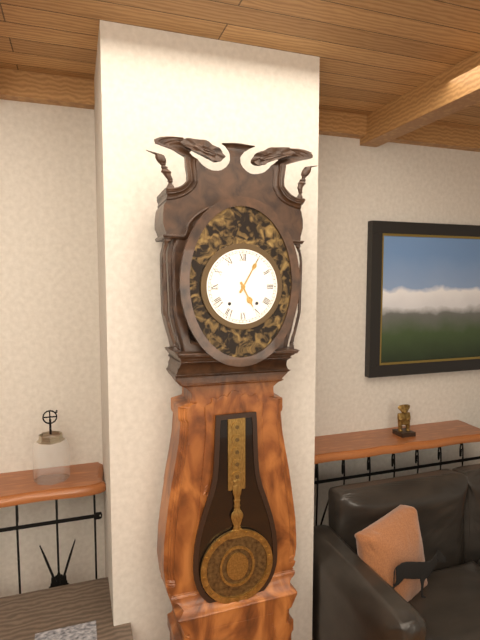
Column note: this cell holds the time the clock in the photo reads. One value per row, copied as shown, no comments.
5:05
